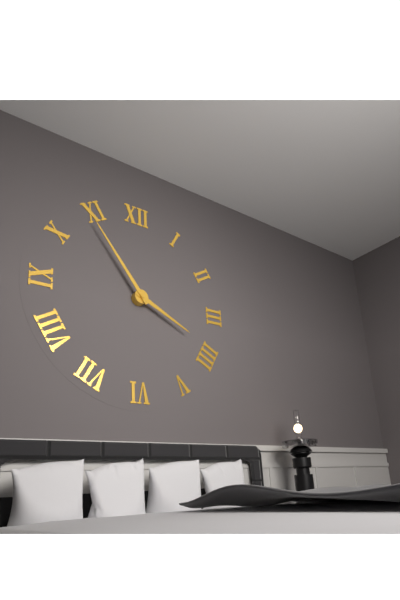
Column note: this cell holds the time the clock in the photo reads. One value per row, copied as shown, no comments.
3:54
